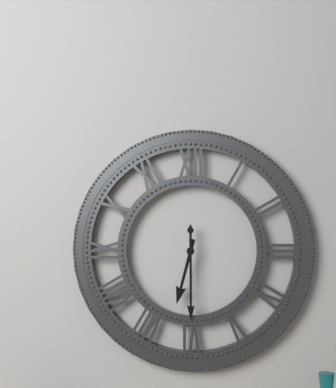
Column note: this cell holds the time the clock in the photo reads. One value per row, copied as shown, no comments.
6:30
